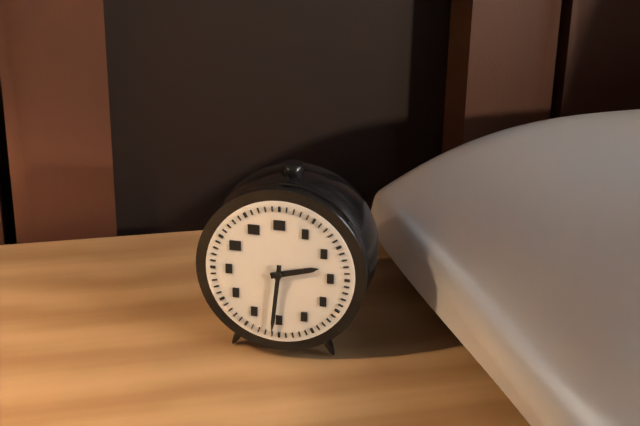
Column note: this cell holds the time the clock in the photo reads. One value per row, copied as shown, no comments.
2:31
